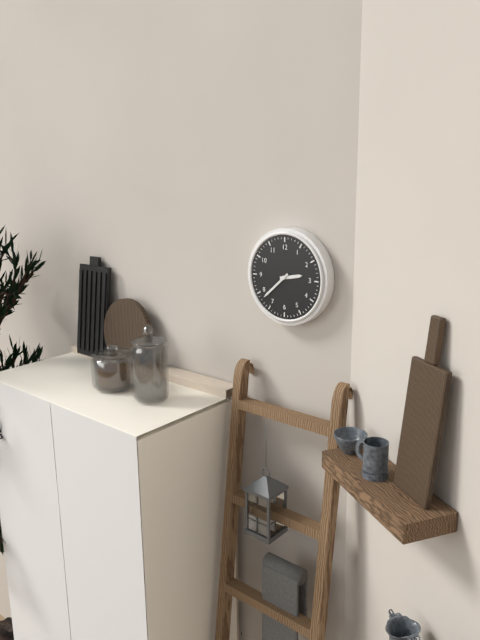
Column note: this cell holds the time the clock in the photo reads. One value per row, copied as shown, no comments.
2:38
